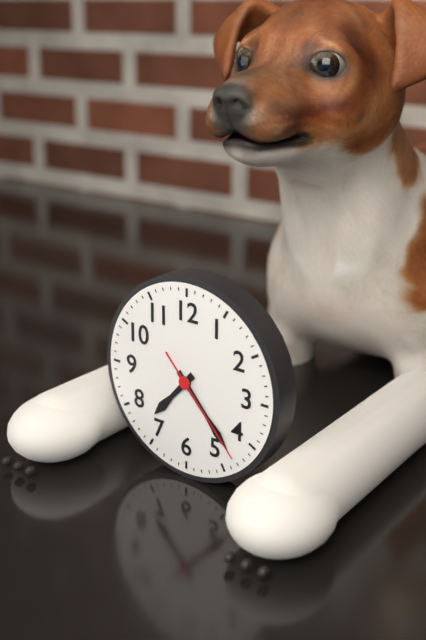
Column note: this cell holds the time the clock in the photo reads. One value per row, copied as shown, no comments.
7:23:23
